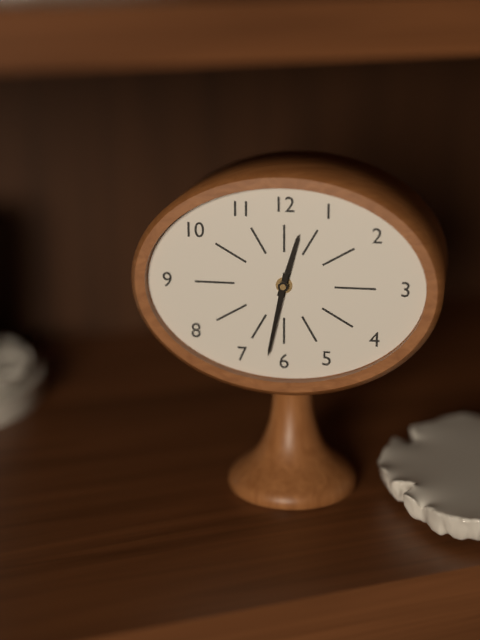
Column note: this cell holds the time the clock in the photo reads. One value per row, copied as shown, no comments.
12:32
